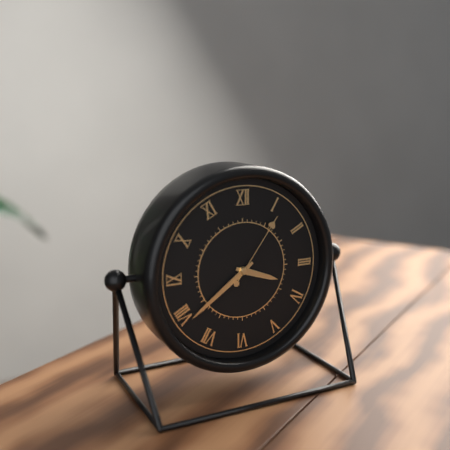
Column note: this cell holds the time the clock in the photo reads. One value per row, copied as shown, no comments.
3:39:06
